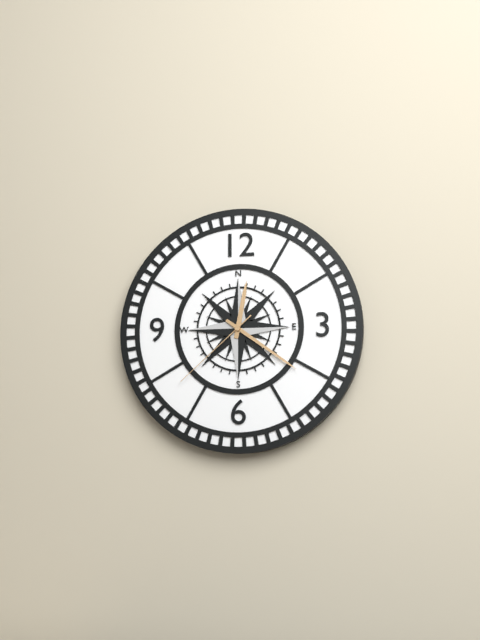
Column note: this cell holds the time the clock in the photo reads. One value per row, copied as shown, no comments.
12:21:38
